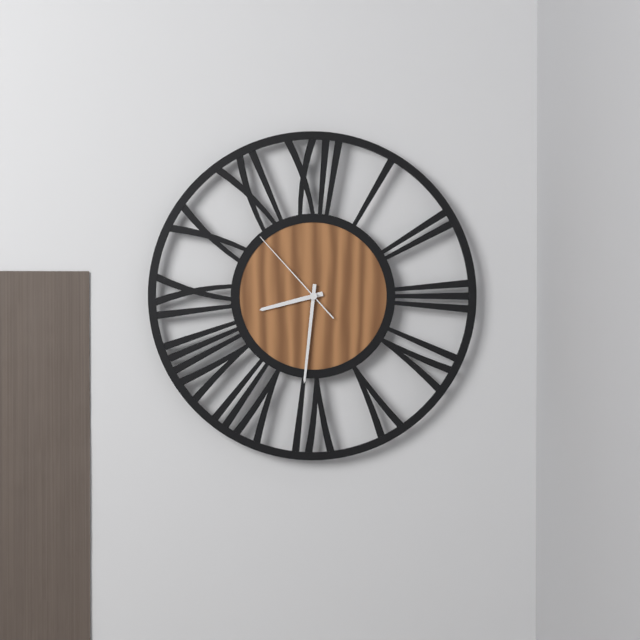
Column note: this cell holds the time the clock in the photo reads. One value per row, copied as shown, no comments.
8:31:53
